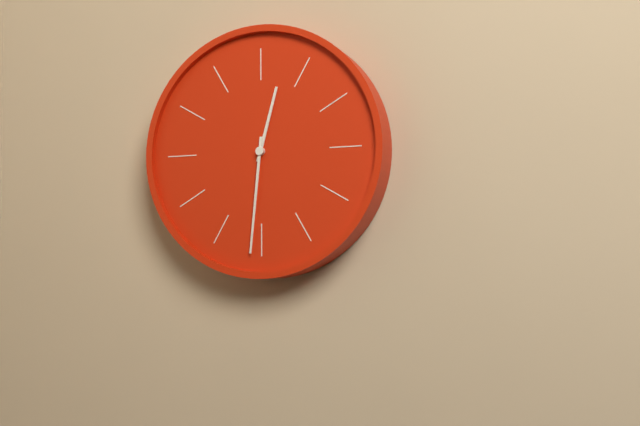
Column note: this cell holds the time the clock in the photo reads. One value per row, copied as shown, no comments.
12:31
